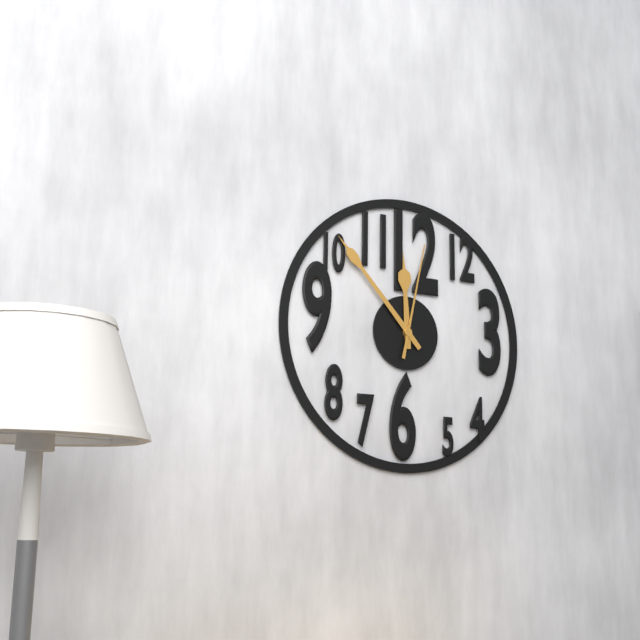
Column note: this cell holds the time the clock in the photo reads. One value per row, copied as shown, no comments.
11:53:02
